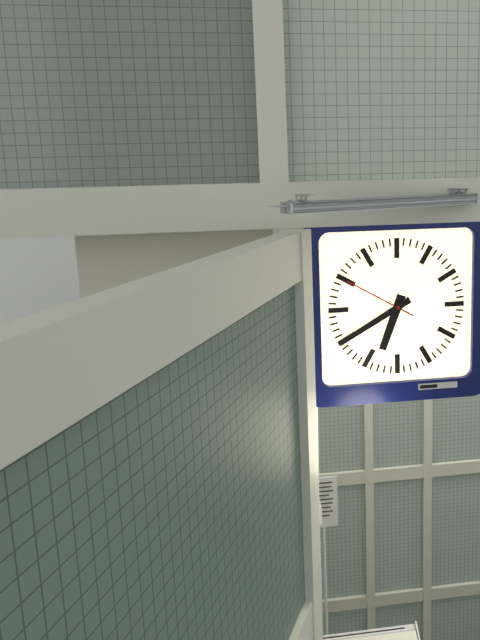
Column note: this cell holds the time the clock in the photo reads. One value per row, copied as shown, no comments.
6:40:50
